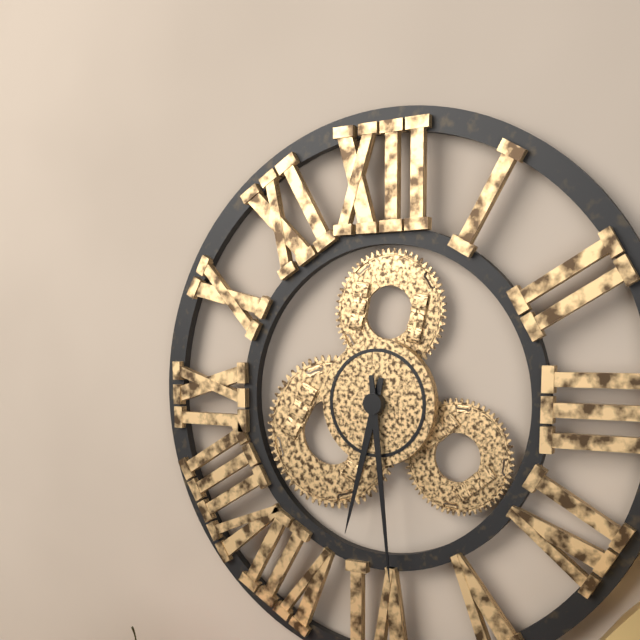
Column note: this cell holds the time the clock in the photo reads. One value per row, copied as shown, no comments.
6:29
